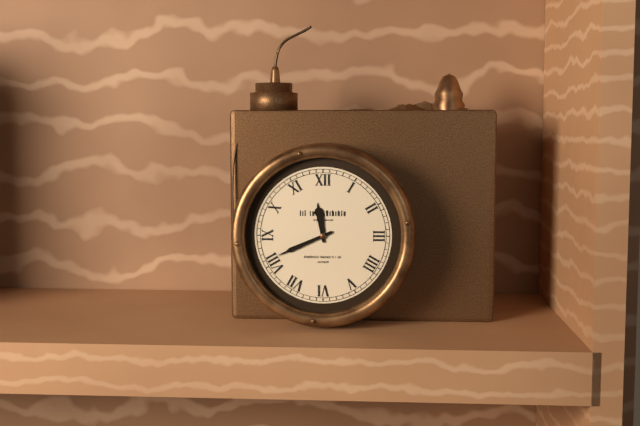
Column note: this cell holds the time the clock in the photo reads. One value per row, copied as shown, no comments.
11:41
